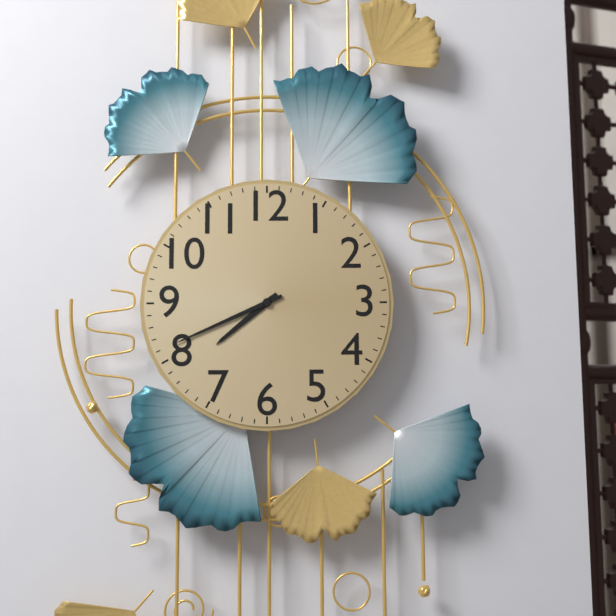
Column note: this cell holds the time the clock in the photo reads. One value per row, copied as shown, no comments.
7:41
